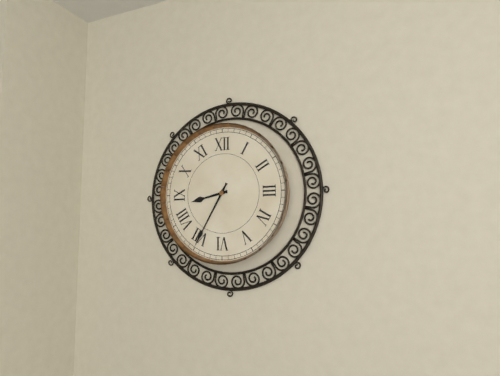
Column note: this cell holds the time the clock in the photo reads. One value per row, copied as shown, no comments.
8:35
